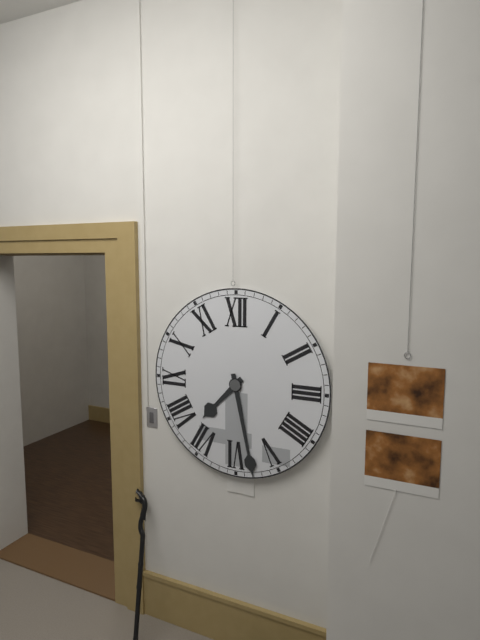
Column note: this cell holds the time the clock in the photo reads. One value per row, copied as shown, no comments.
7:28
